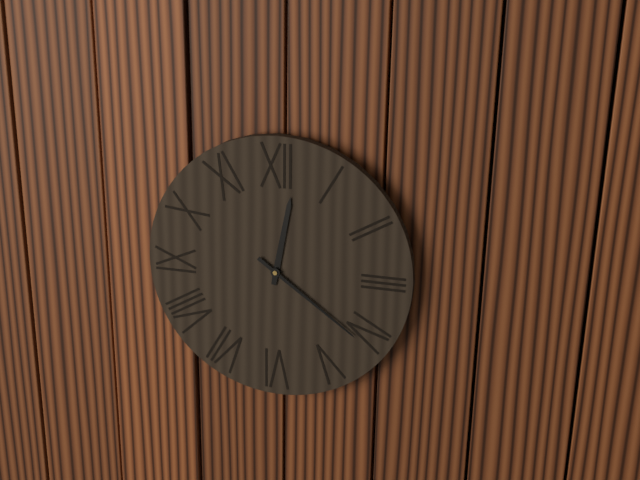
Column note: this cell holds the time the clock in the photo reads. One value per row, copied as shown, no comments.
12:21
